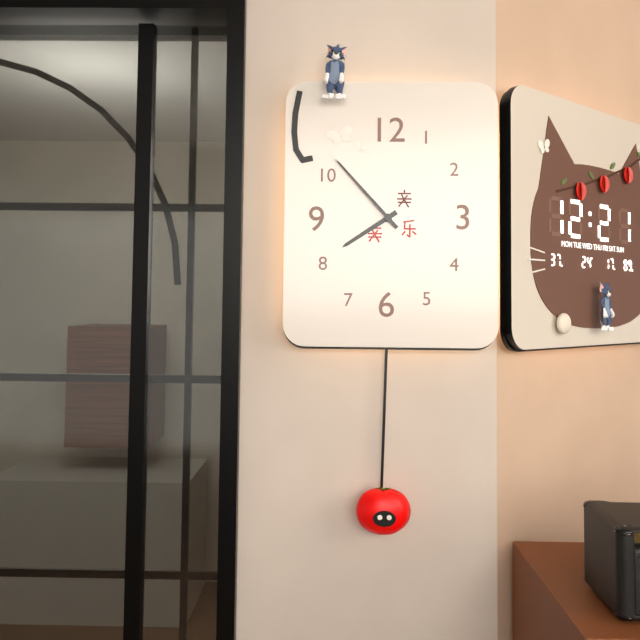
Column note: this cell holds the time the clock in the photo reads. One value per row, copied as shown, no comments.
7:53
